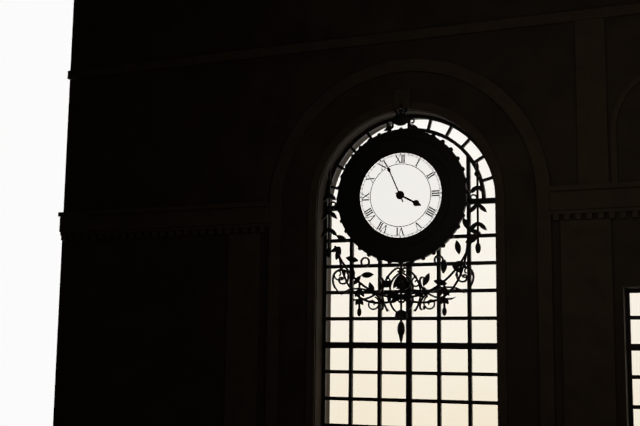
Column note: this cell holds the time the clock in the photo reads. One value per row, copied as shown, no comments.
3:56
